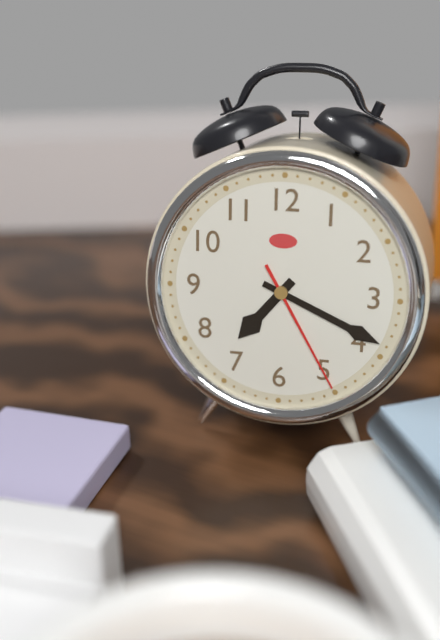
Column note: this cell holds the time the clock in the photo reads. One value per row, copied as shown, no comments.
7:19:25
